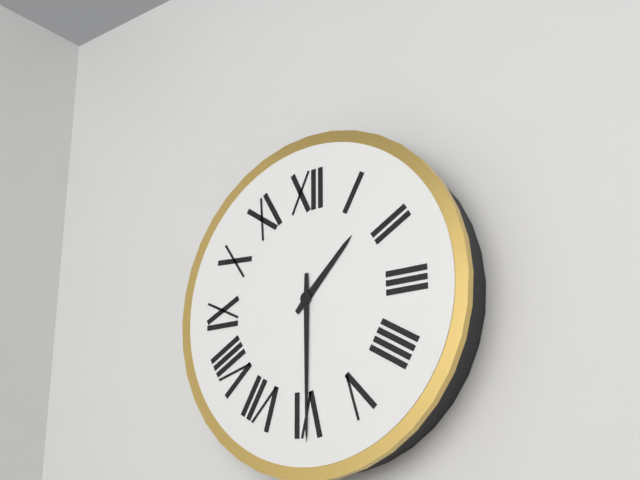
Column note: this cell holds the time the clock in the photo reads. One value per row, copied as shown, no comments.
1:30
